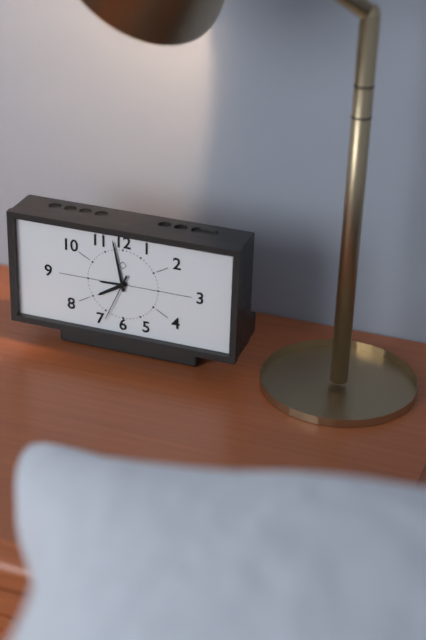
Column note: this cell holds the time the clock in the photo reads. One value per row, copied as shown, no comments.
7:58
